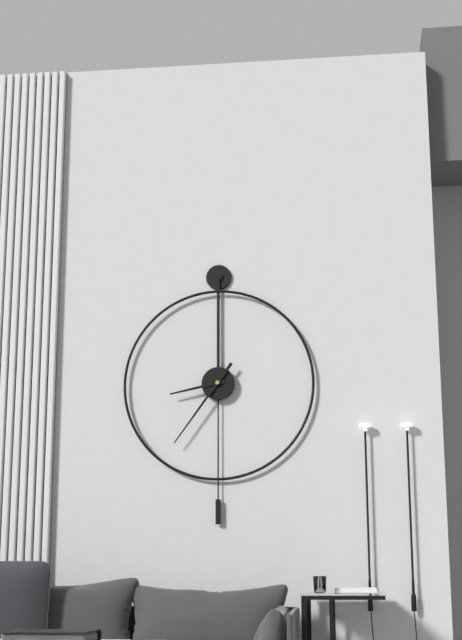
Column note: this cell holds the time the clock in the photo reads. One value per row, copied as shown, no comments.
8:36
